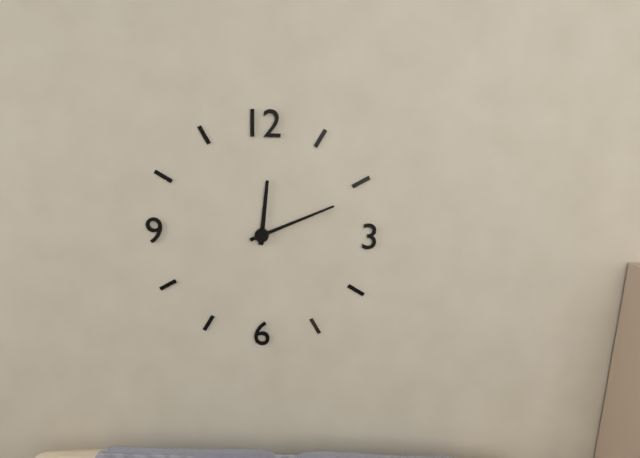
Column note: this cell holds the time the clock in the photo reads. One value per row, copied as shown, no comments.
12:11
